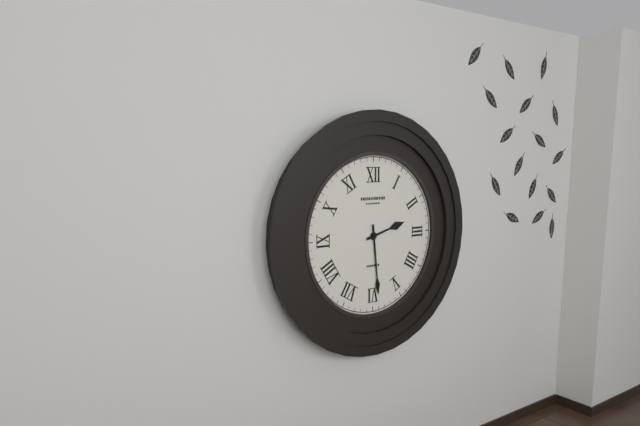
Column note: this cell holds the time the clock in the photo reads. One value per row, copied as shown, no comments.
2:29
